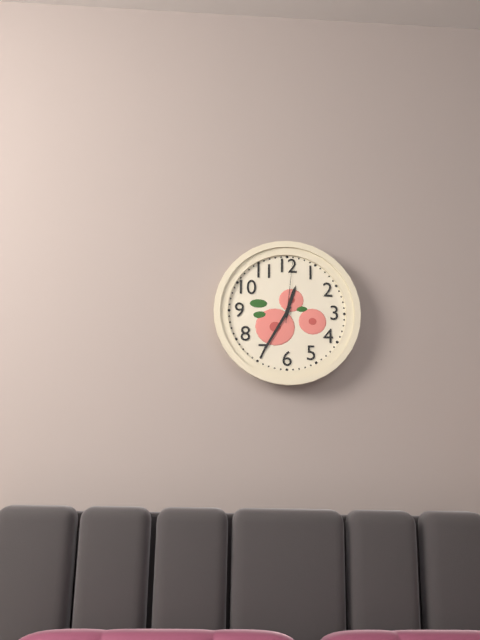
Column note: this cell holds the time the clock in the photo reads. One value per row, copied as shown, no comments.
12:35:01
